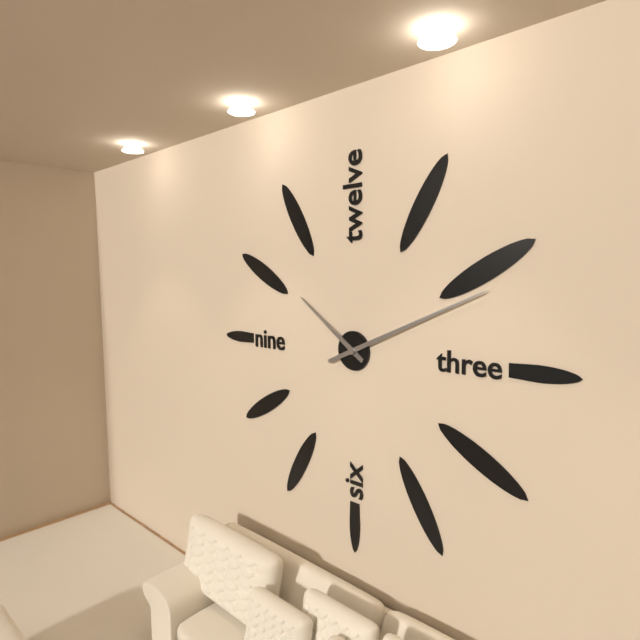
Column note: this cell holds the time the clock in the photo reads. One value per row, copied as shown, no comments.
10:11
